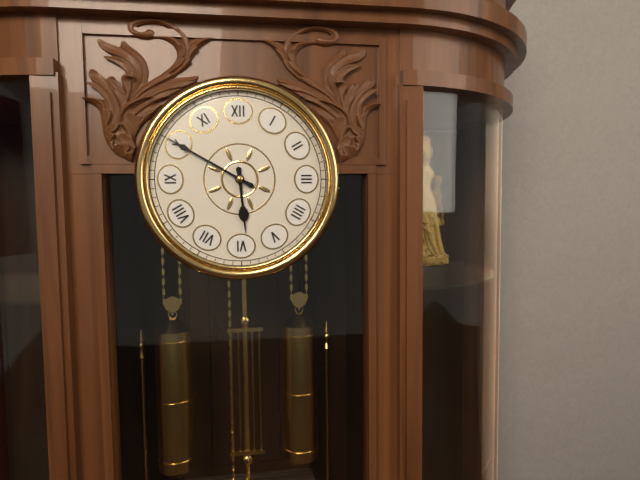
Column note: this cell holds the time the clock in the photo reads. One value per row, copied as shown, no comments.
5:50
